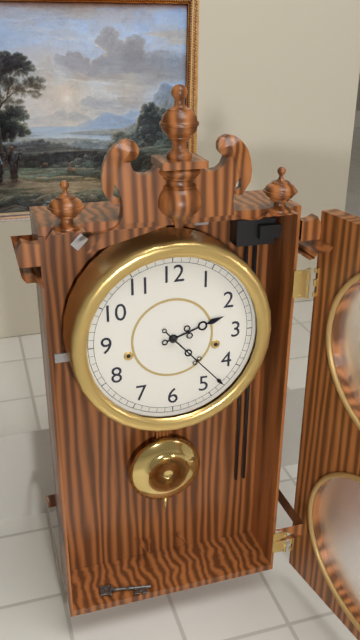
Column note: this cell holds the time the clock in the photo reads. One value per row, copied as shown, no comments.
2:23
